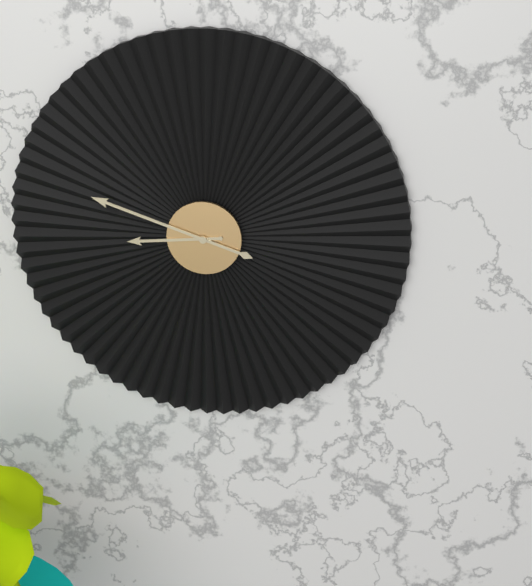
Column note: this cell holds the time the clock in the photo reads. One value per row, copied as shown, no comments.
8:48
